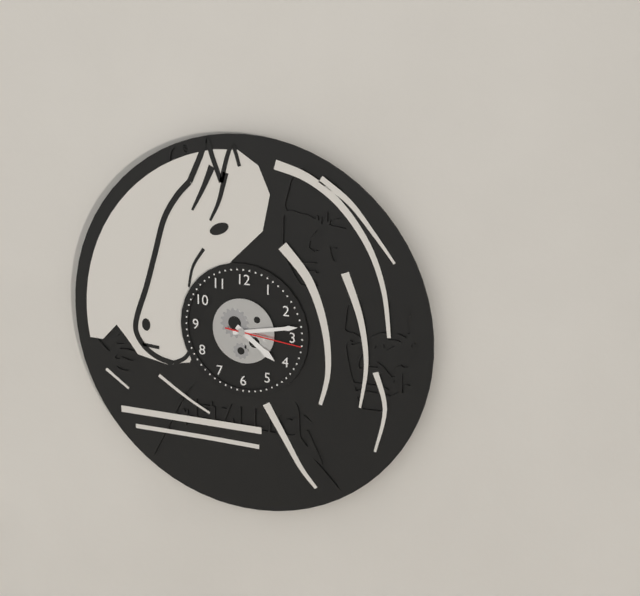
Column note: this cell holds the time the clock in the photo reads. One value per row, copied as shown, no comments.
4:13:16
